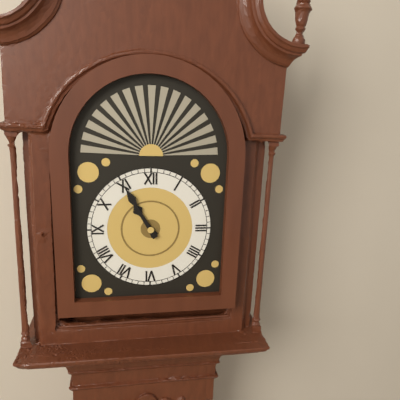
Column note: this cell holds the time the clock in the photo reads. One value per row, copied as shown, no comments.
10:55
